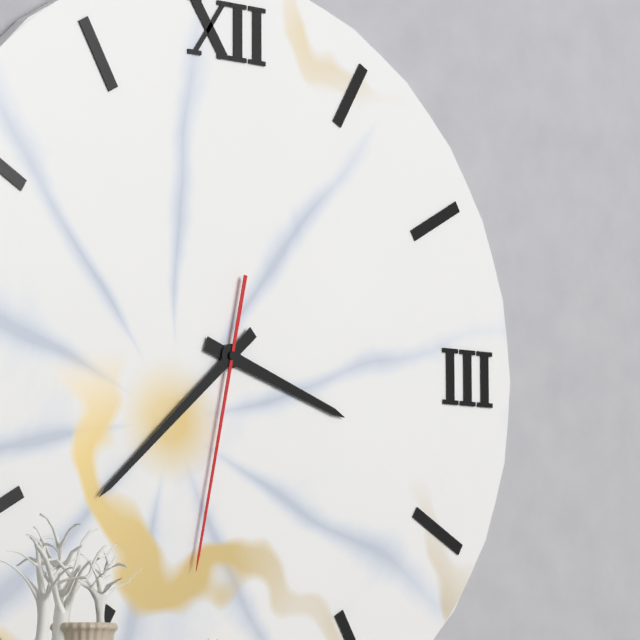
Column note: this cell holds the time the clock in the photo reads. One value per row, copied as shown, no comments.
3:38:32
